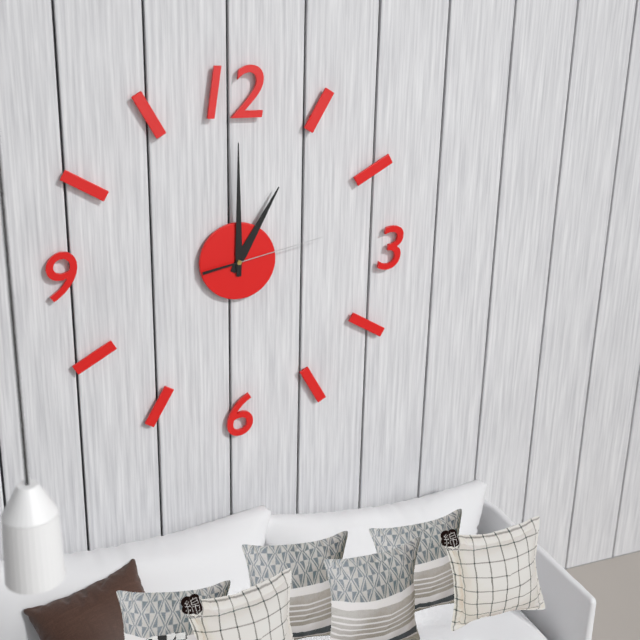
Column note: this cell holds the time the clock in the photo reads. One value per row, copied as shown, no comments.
1:00:13
